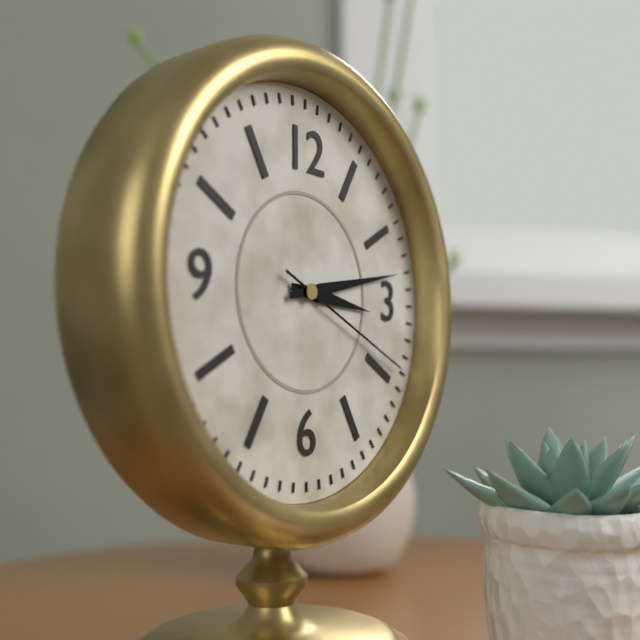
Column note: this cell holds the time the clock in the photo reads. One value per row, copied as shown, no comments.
3:13:19
